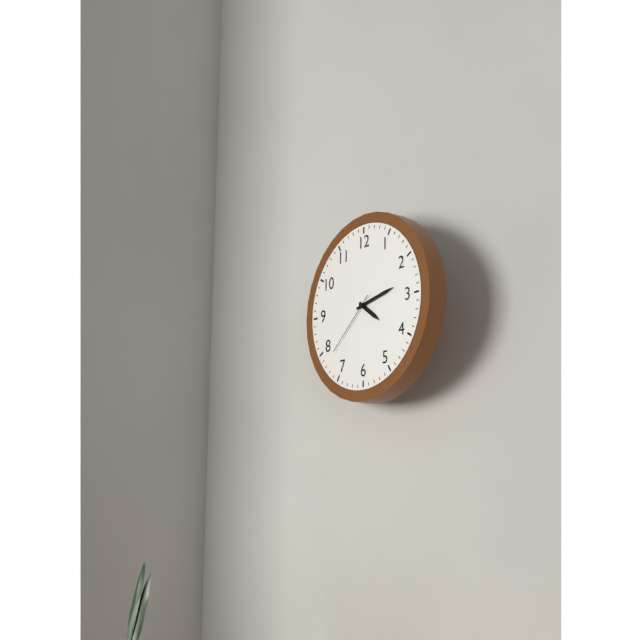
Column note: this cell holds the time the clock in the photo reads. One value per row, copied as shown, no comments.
4:13:38
